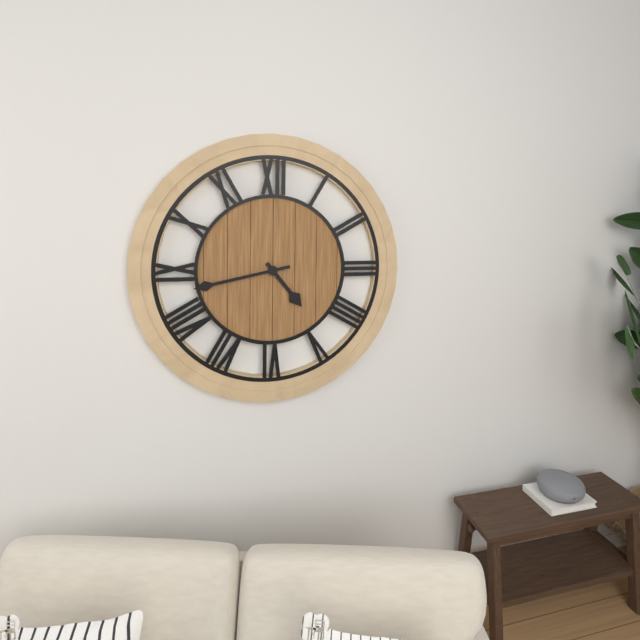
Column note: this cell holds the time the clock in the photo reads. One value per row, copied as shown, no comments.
4:43
